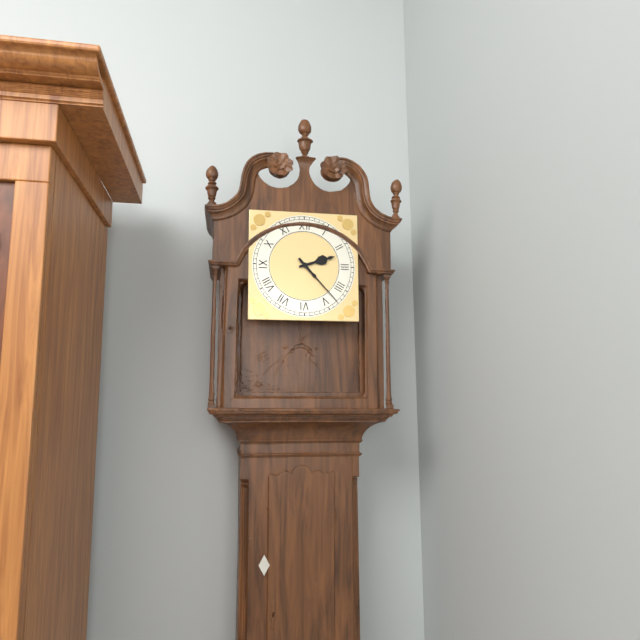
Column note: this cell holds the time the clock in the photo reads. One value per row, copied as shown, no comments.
2:23
